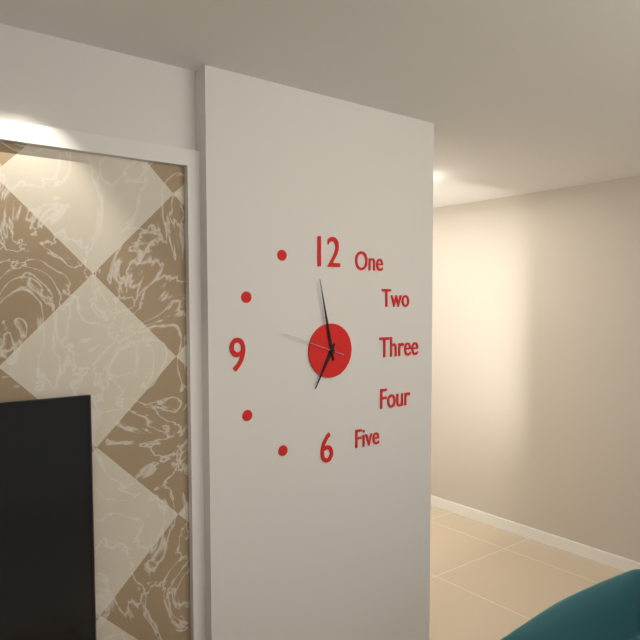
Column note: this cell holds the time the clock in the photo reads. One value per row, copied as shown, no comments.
6:58:48
